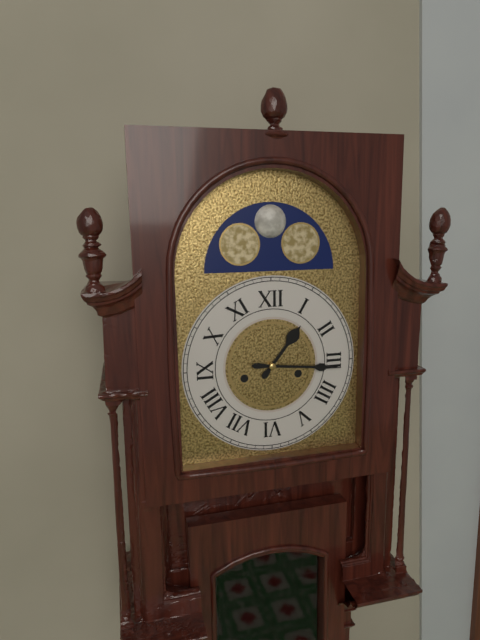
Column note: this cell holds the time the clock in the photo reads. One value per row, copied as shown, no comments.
1:16
